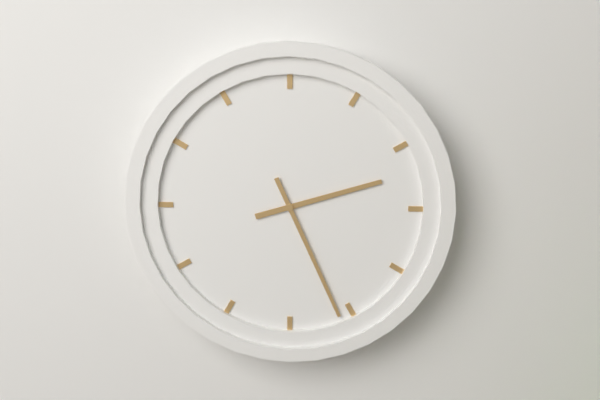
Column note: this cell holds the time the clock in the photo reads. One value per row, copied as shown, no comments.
2:26
